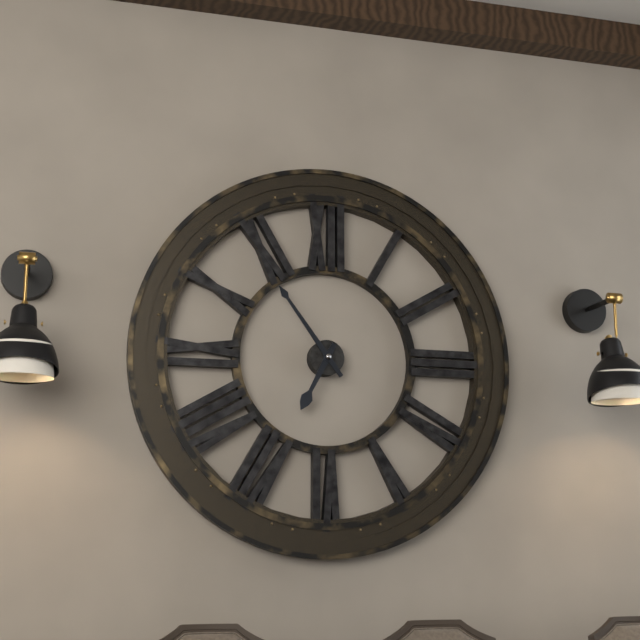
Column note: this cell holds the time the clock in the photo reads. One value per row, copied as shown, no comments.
6:54
